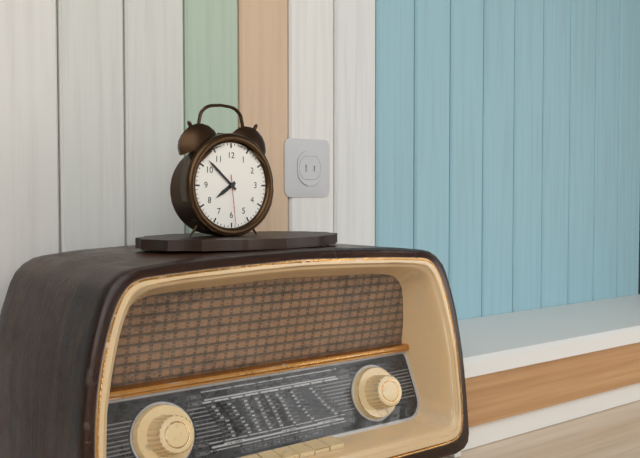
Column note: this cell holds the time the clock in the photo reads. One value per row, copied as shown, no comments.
7:52
